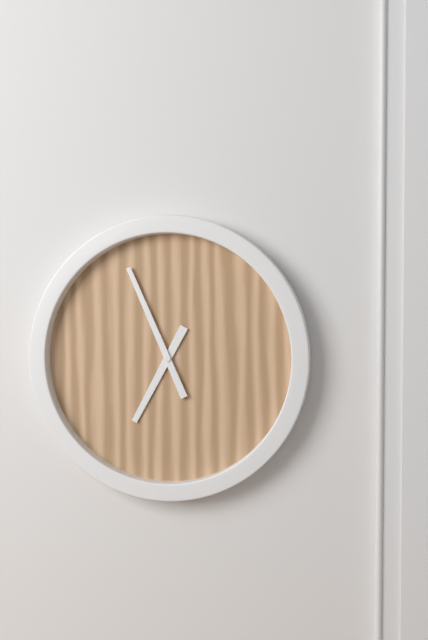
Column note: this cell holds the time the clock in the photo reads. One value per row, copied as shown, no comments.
6:56
